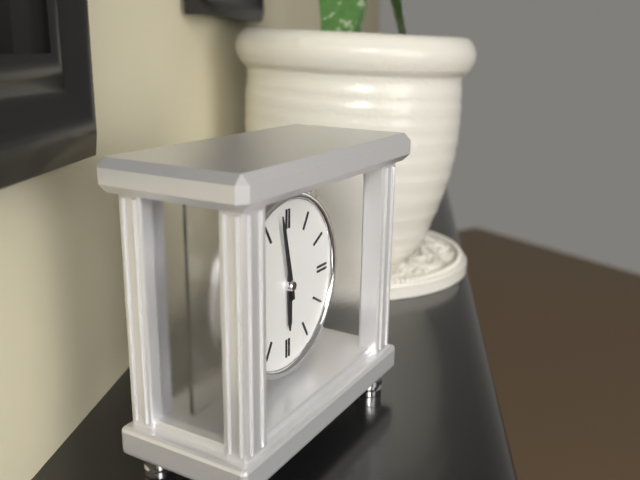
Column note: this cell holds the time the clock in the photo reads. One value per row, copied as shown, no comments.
5:58
